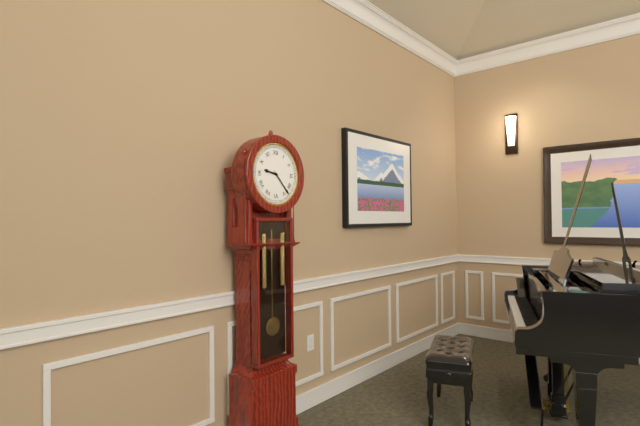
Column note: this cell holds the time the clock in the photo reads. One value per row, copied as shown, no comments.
9:23
